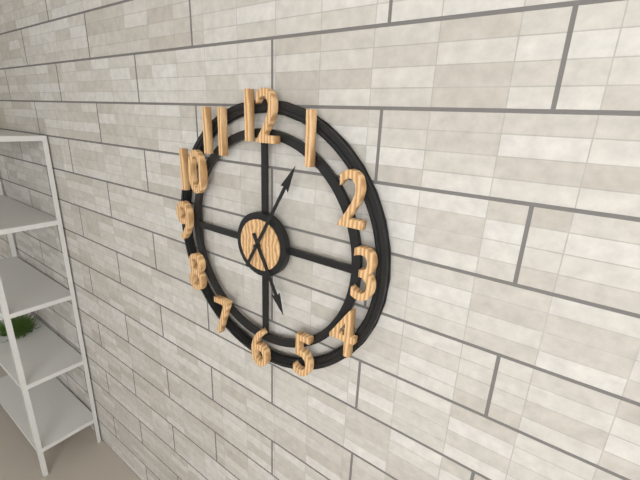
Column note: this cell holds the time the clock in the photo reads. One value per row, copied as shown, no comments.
5:05
